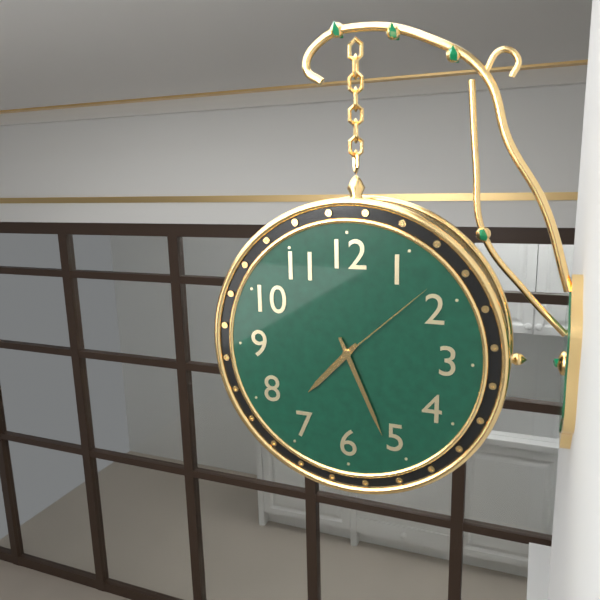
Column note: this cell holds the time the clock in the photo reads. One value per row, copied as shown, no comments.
7:26:08
